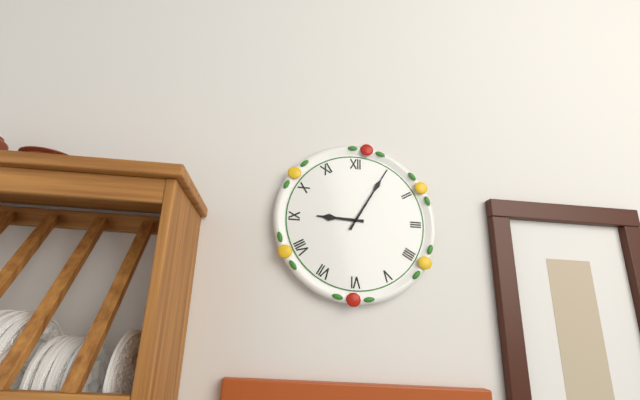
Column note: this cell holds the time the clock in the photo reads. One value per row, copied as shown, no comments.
9:05
